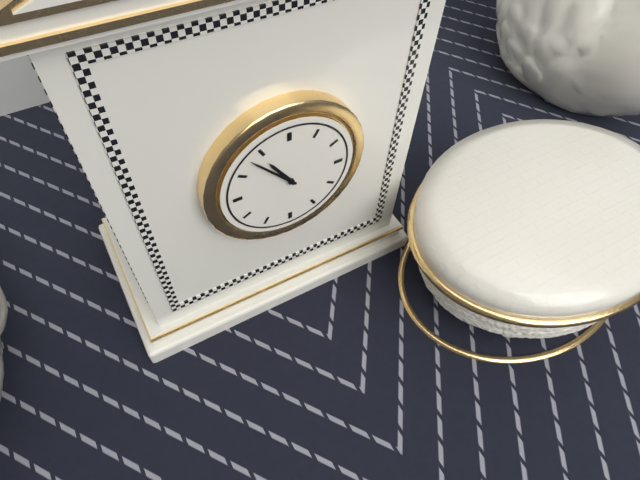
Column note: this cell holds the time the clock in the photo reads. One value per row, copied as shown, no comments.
10:53
